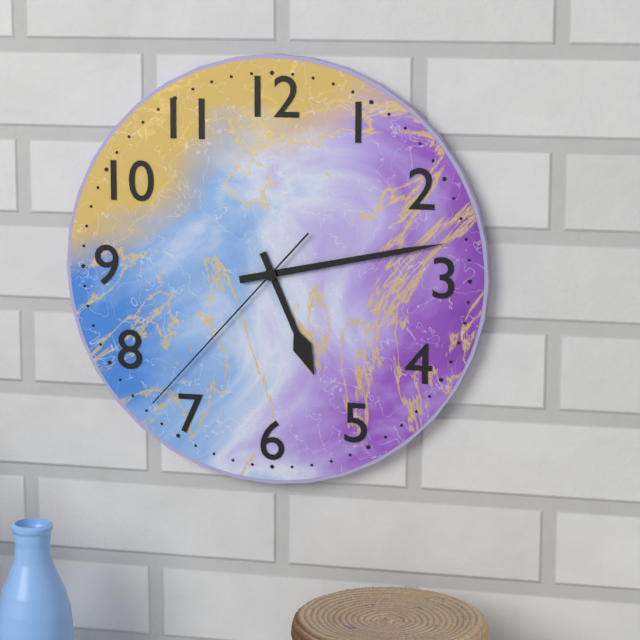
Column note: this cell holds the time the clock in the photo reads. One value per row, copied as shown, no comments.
5:13:37
